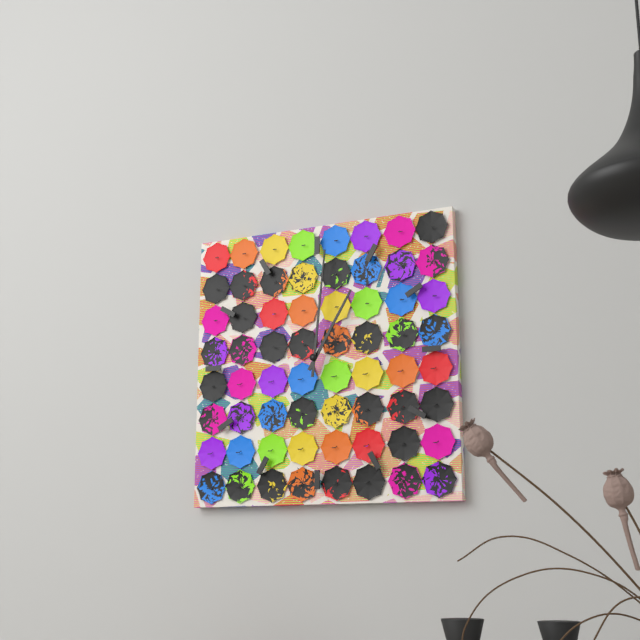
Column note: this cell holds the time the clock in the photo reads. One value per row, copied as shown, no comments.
1:01
